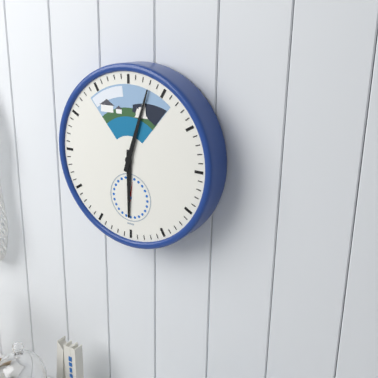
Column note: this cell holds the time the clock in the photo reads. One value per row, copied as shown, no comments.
6:03
